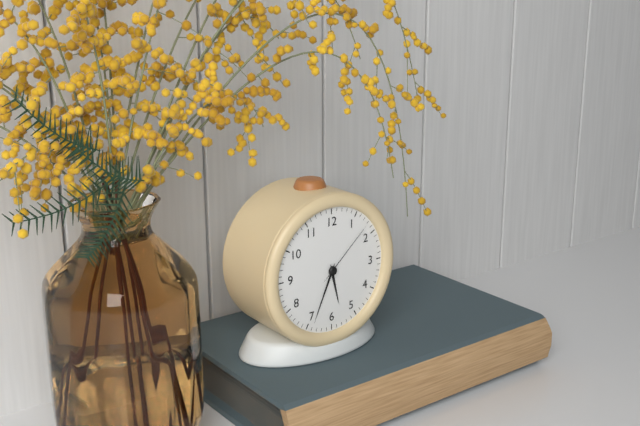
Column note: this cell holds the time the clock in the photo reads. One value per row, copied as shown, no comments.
5:34:08
